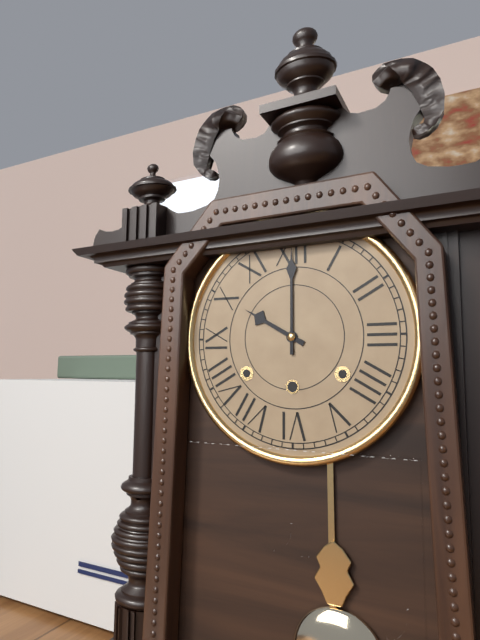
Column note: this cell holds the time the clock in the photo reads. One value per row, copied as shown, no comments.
10:00
